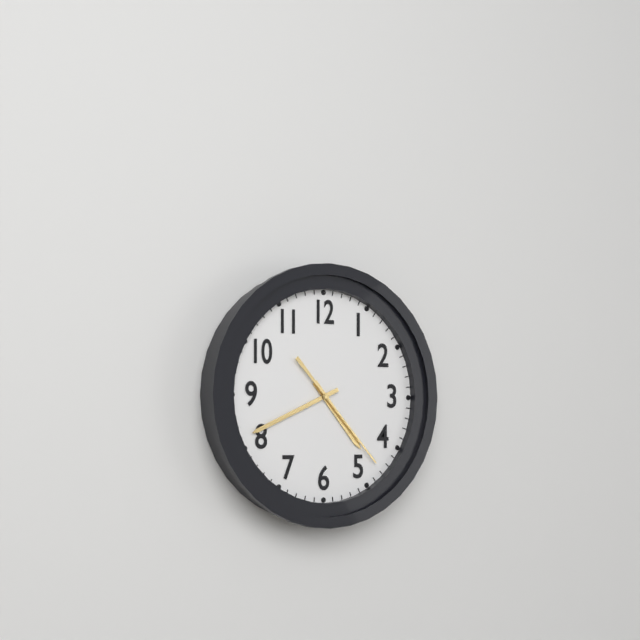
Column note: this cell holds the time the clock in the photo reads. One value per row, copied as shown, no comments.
4:41:23
